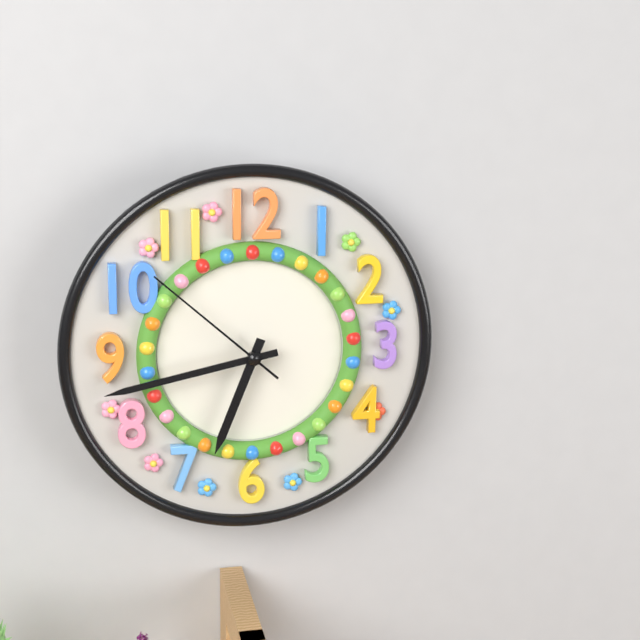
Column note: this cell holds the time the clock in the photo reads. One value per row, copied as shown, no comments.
6:43:52
